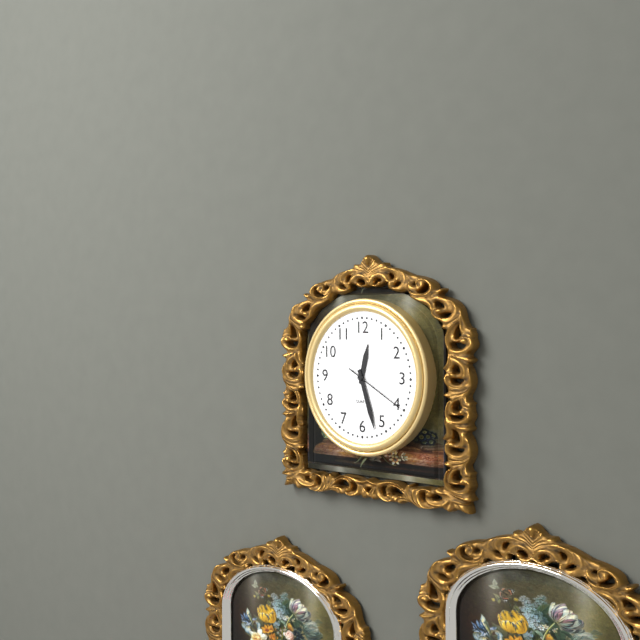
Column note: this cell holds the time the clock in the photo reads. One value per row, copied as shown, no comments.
12:27:20
